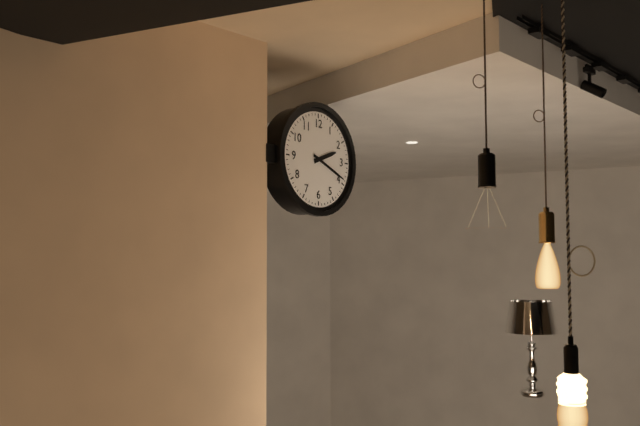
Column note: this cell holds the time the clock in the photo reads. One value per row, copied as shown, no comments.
2:19
